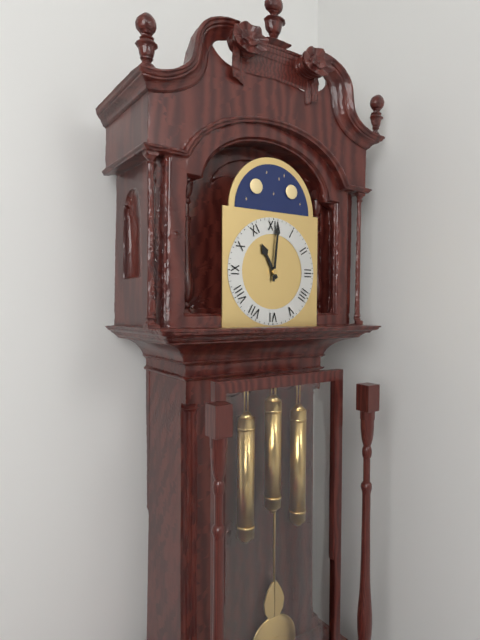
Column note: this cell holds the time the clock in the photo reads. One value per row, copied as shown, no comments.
11:01
